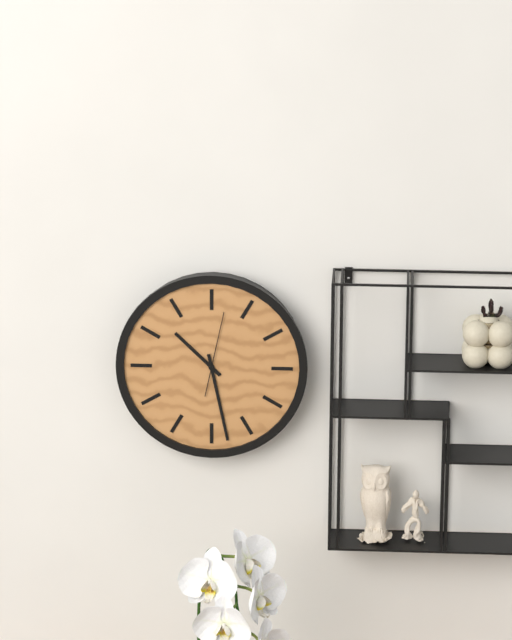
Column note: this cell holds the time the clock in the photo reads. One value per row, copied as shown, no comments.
10:28:02
